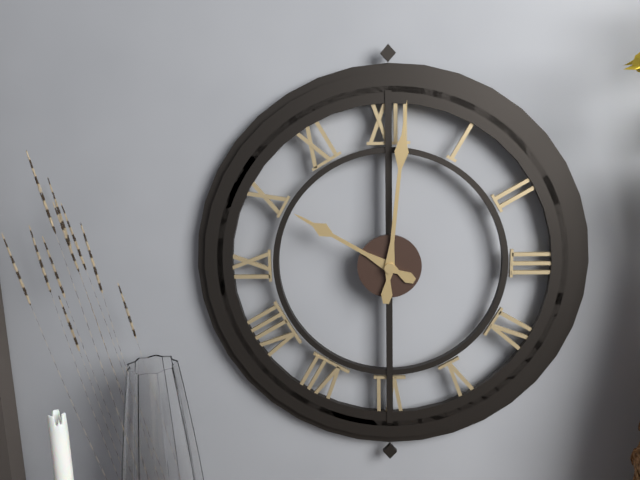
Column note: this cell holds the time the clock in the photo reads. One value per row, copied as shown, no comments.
10:01
